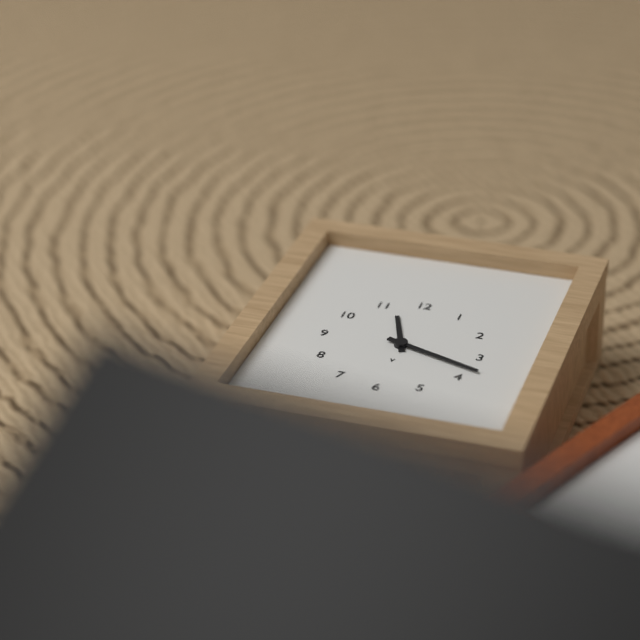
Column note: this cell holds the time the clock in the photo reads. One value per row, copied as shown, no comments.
11:18
